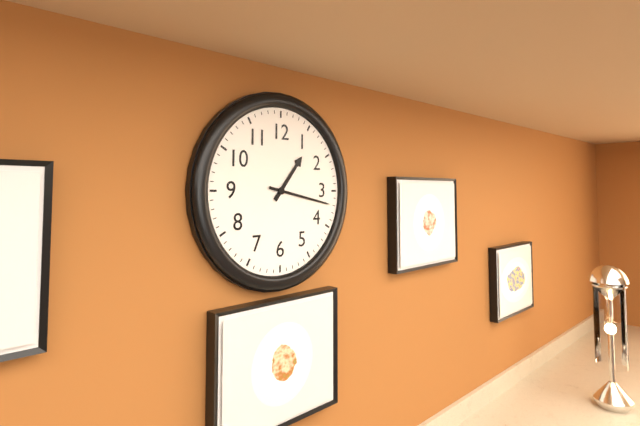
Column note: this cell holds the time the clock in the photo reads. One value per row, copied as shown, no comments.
1:17
